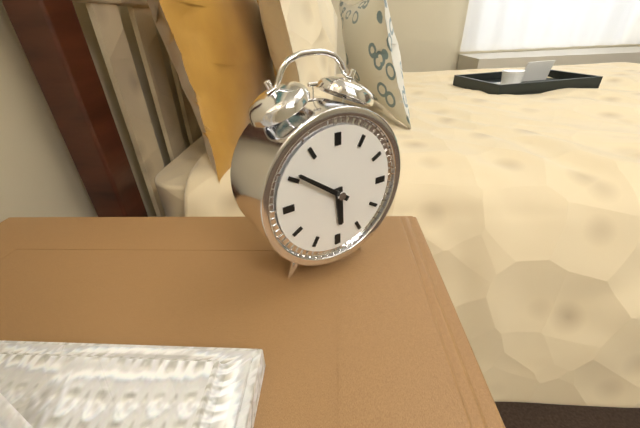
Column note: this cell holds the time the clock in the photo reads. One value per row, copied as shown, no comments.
5:51
